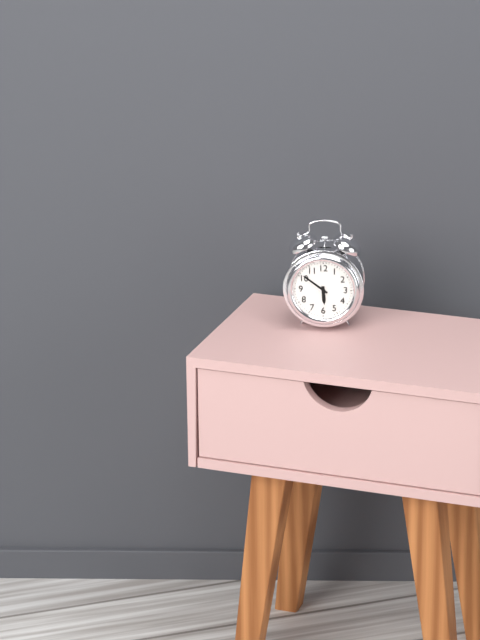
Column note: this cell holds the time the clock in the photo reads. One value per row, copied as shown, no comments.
5:51
